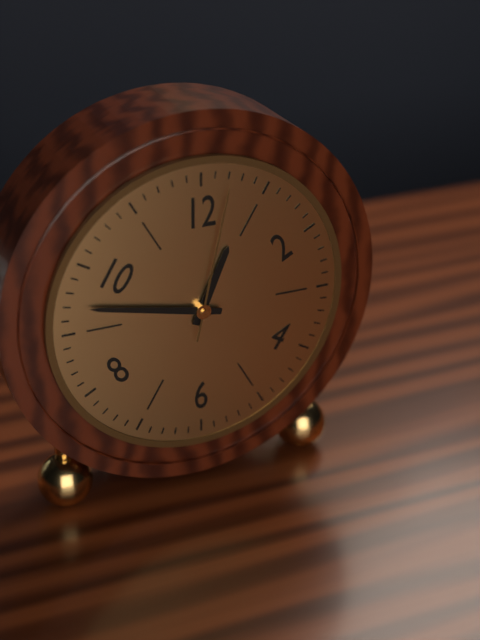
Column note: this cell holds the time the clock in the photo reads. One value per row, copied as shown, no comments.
12:47:02
